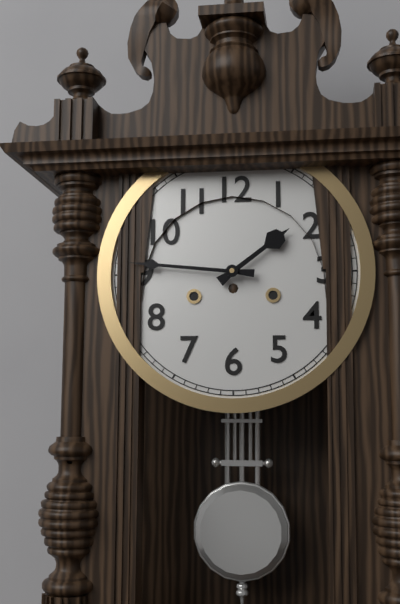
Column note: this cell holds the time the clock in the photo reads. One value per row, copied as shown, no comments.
1:46
